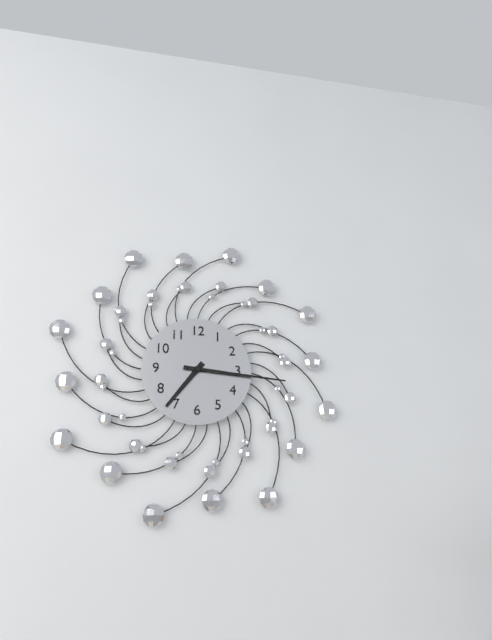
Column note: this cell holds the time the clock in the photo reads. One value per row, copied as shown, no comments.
7:16
